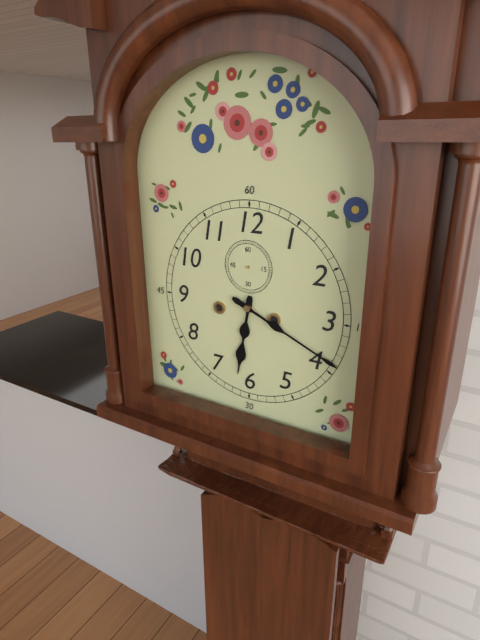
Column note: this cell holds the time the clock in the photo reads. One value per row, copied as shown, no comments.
6:19
